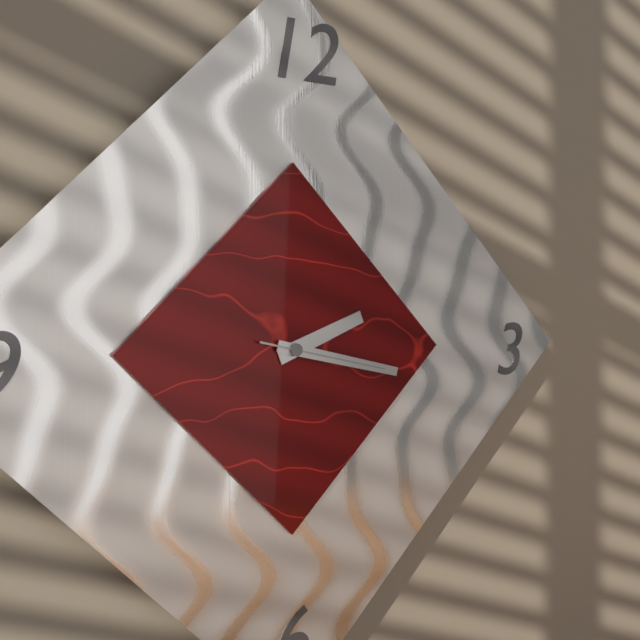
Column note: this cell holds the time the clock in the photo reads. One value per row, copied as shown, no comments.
2:17:17
